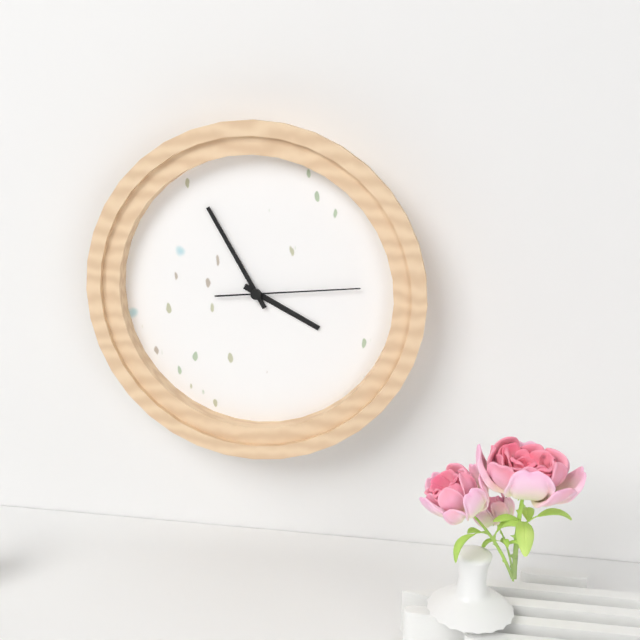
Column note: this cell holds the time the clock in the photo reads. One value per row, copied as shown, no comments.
3:55:14
